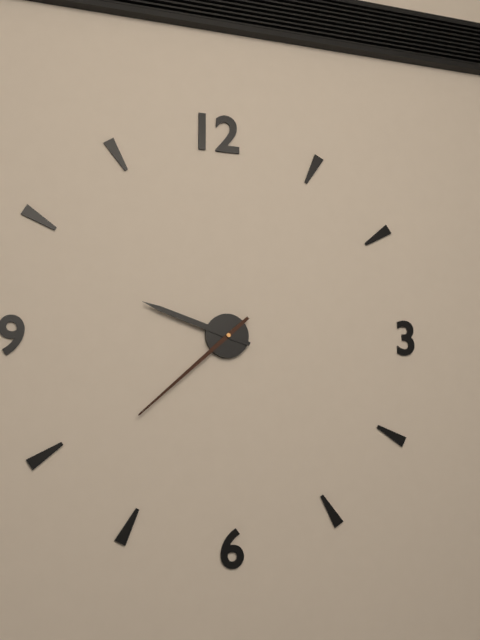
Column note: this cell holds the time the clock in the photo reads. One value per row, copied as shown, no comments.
9:38
